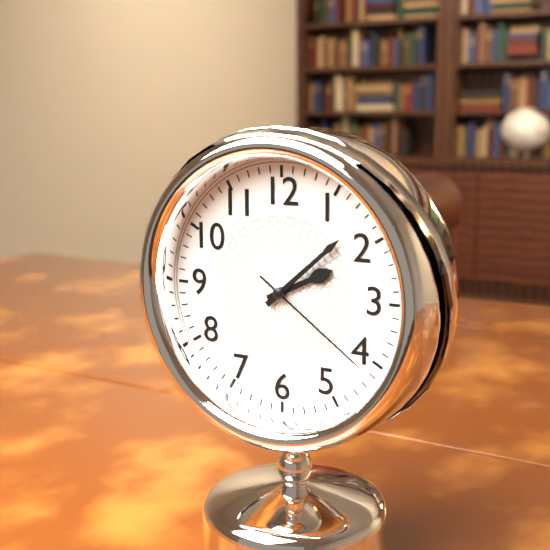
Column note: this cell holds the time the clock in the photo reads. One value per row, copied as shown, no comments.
2:08:21
